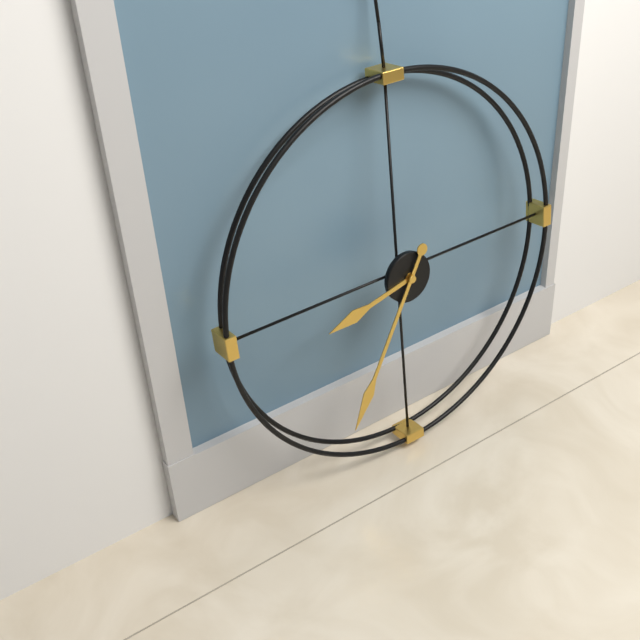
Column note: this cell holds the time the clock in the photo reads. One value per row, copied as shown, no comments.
8:35
